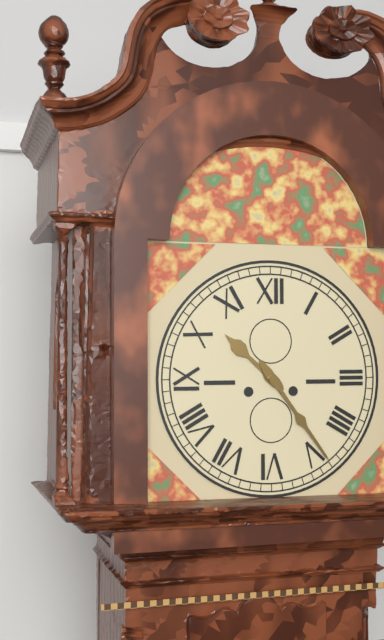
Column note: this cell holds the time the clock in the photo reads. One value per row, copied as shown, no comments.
10:24
